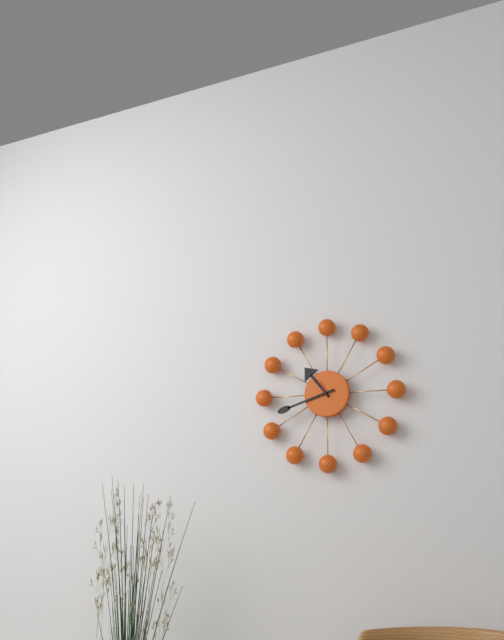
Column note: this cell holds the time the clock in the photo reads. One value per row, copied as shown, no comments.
10:42
